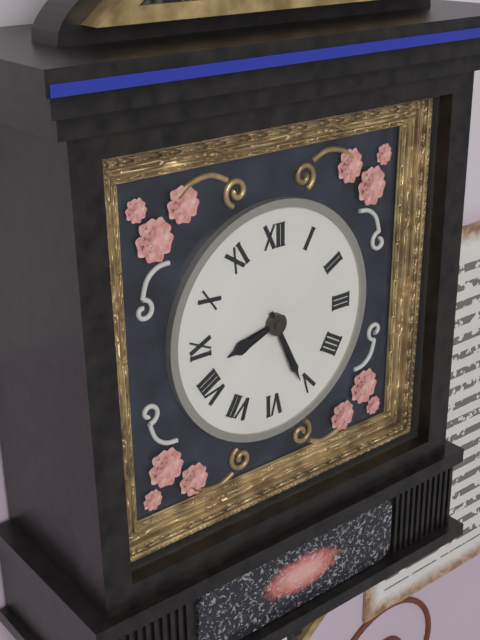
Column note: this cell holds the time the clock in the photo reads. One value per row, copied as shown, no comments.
8:26
